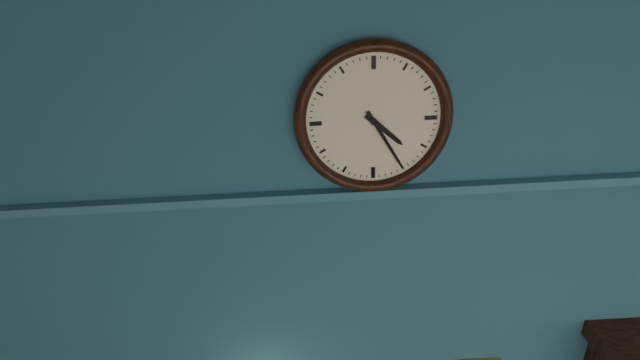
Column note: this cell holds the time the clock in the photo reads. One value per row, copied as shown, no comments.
4:25
